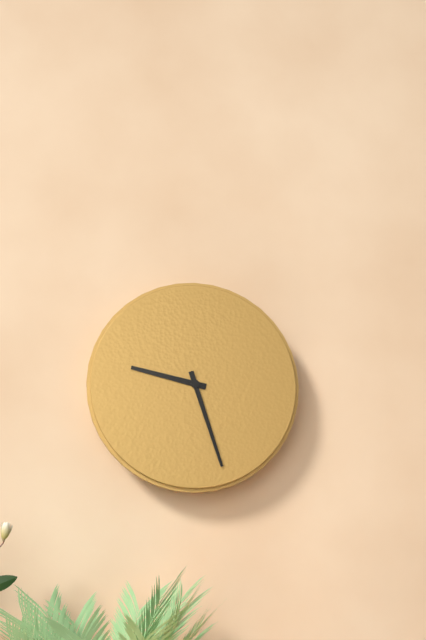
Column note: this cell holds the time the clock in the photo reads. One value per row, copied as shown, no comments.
9:27
